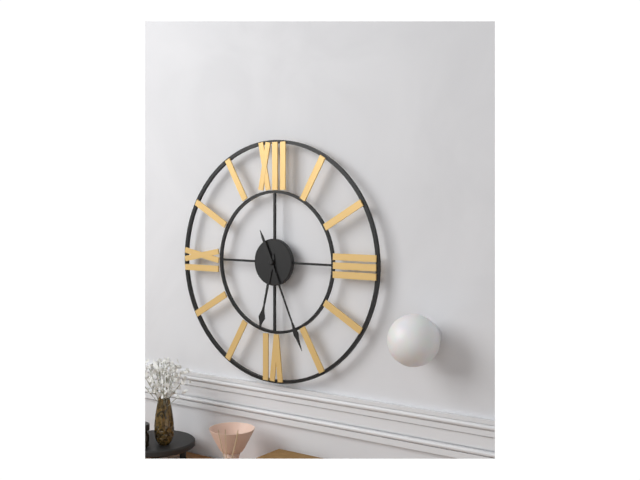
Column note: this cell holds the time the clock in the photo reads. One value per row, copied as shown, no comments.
6:26
